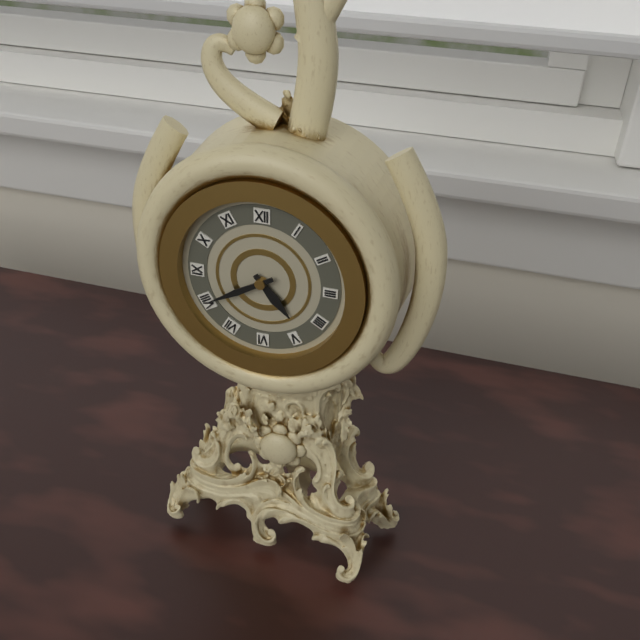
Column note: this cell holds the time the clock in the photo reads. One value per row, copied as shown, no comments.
4:40
